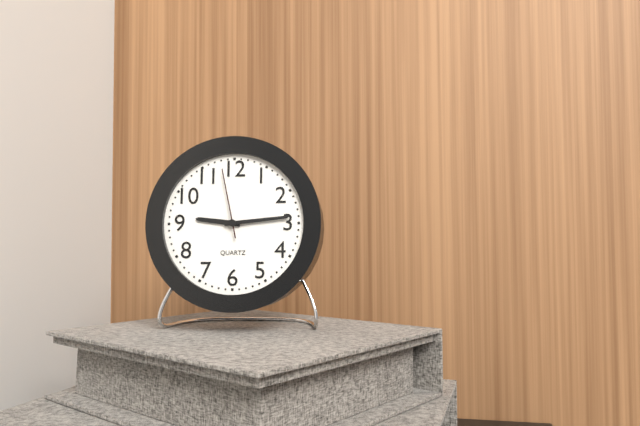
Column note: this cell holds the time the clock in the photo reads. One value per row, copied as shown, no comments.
9:14:58
